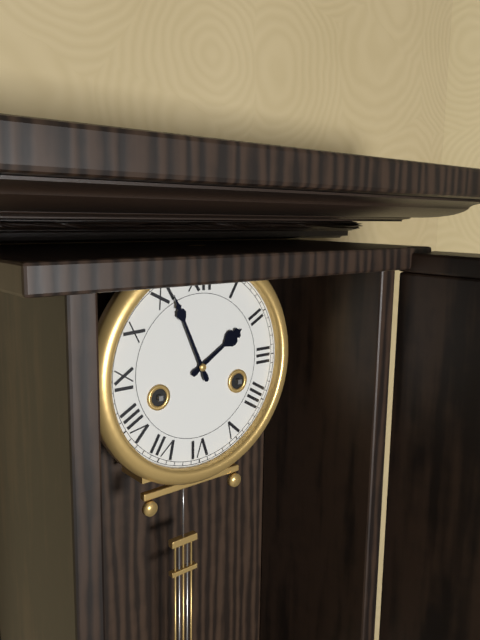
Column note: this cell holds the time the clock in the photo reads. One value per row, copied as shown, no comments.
1:56
